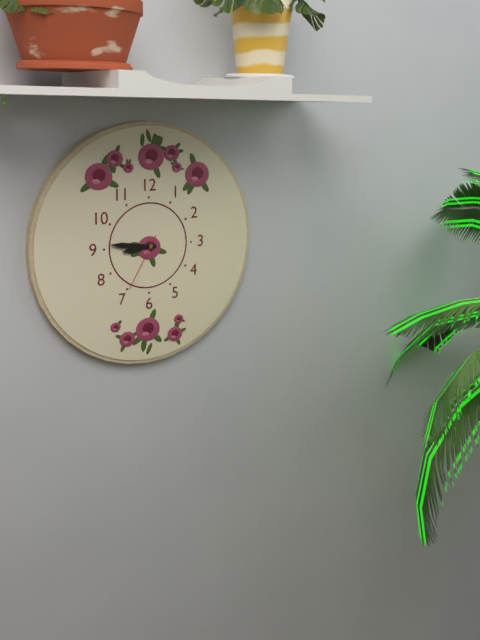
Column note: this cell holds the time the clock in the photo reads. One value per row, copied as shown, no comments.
8:46:35
